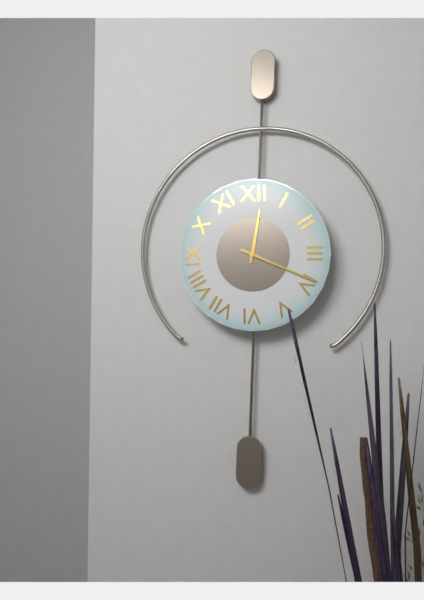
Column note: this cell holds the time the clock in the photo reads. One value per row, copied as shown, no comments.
12:19
